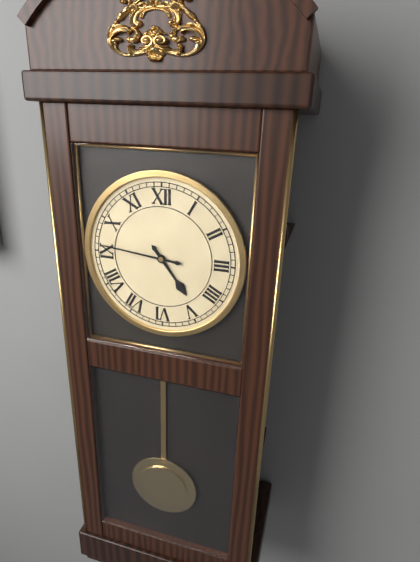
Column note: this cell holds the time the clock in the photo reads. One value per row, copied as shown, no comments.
4:46
